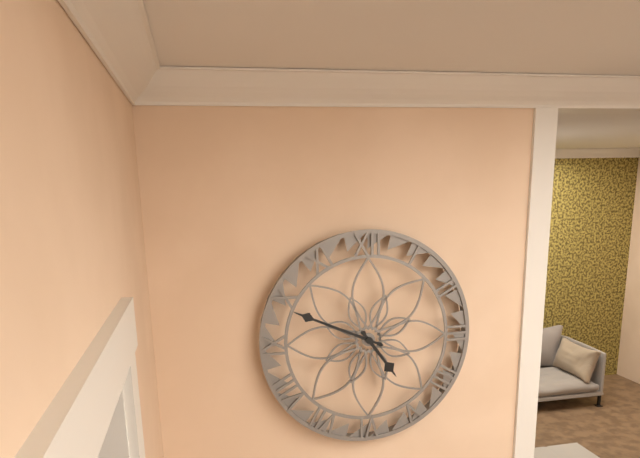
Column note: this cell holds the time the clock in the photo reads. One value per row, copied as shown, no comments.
4:49
